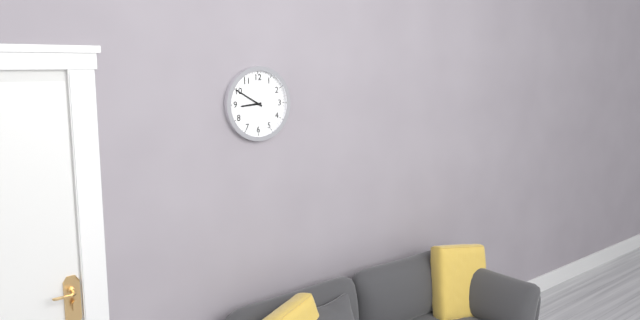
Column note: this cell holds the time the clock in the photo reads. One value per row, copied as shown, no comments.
8:50
